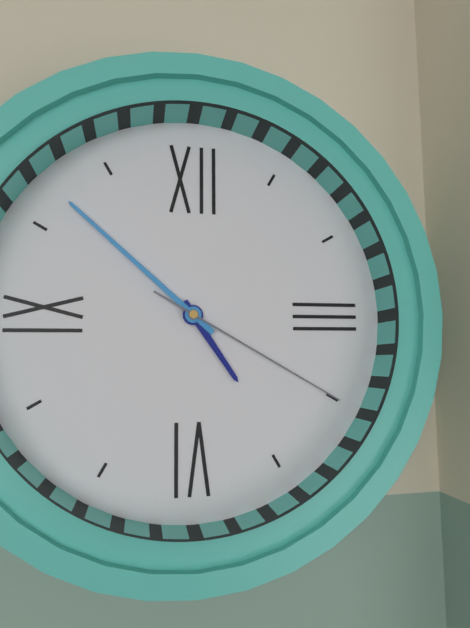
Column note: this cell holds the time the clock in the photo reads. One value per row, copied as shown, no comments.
4:52:20
